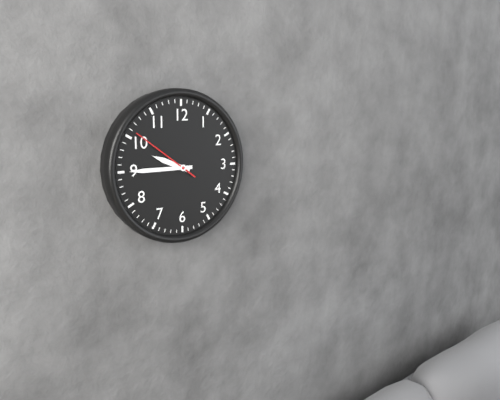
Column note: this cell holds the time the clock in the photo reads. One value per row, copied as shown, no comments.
9:45:51
